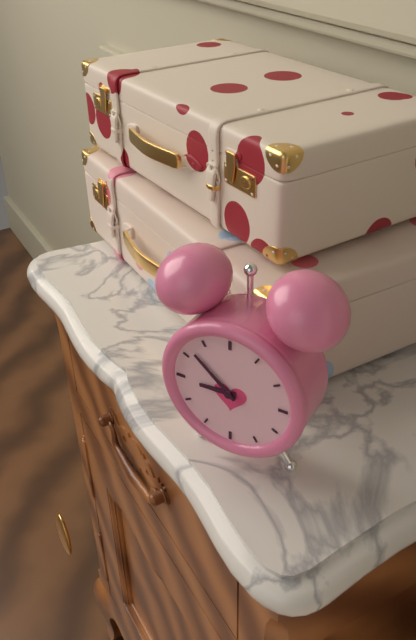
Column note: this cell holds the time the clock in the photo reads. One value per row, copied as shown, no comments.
8:52
